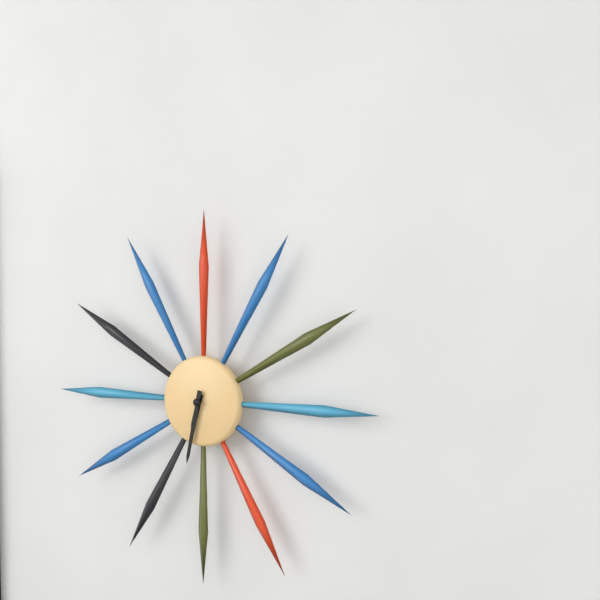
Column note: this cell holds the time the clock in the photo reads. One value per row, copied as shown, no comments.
6:32
